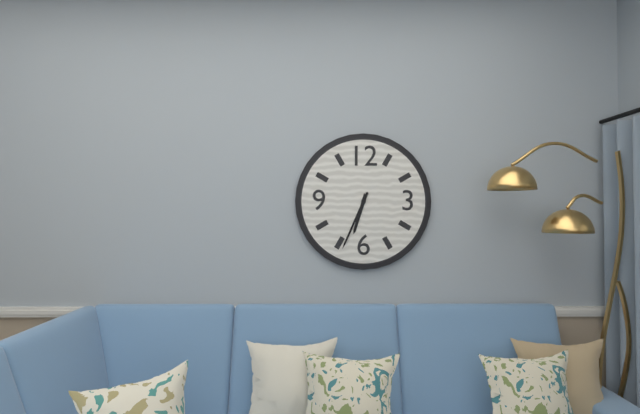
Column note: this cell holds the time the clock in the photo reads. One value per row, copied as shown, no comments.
6:34
